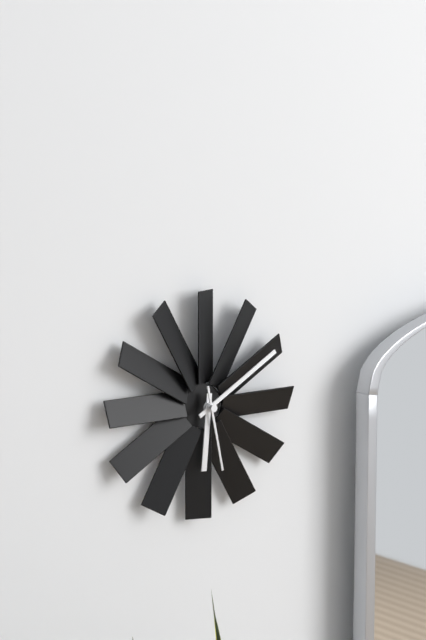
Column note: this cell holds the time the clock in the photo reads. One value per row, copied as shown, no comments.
6:10:28
